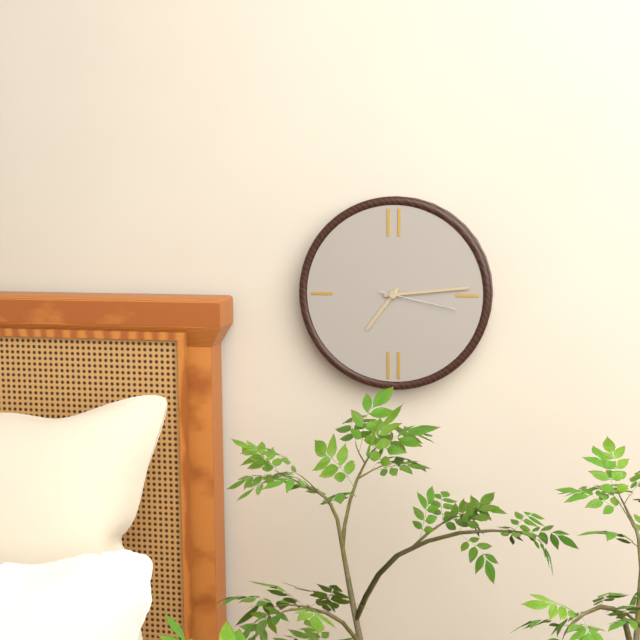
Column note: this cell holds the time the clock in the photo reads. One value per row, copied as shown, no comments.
7:14:17
